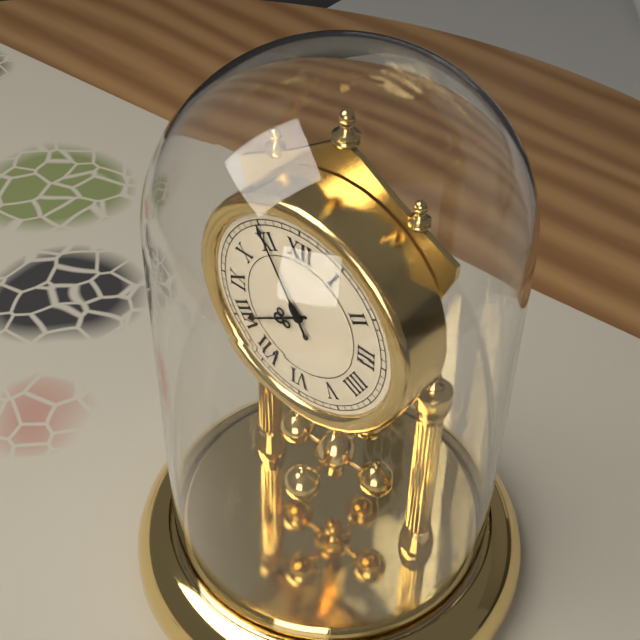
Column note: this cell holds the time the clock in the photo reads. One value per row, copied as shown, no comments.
7:55
